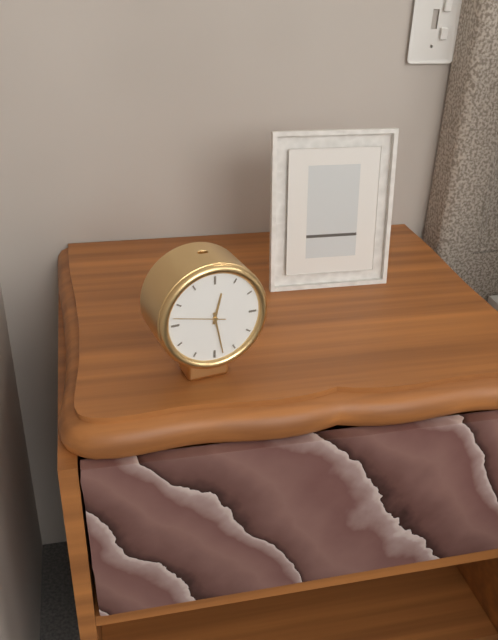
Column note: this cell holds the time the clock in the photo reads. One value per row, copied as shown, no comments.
12:28
